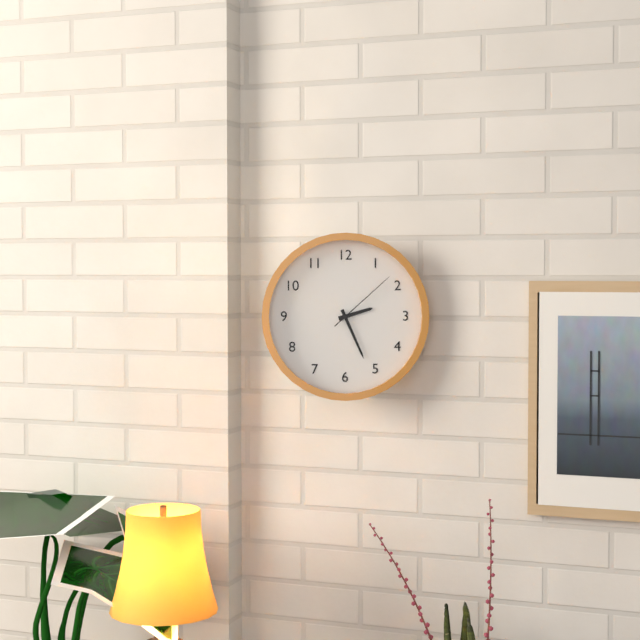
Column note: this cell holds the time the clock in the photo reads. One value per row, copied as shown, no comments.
2:26:08
